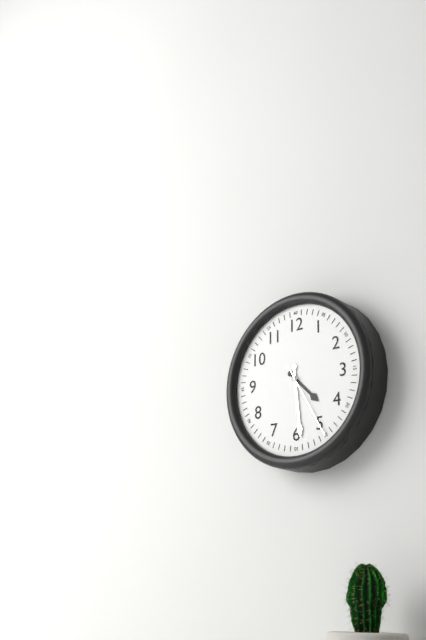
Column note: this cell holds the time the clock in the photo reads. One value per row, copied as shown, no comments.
4:29:25
